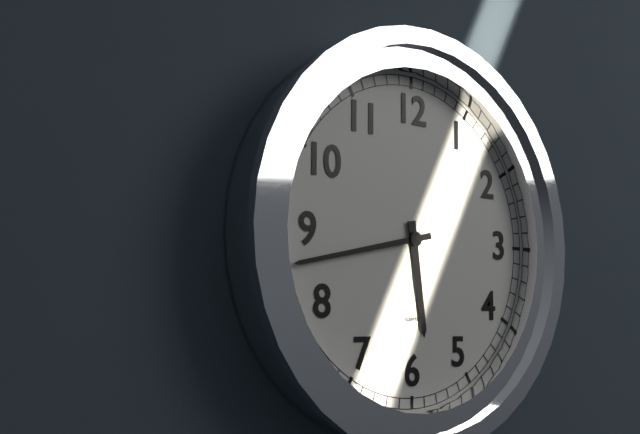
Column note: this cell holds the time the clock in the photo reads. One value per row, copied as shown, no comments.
5:43
